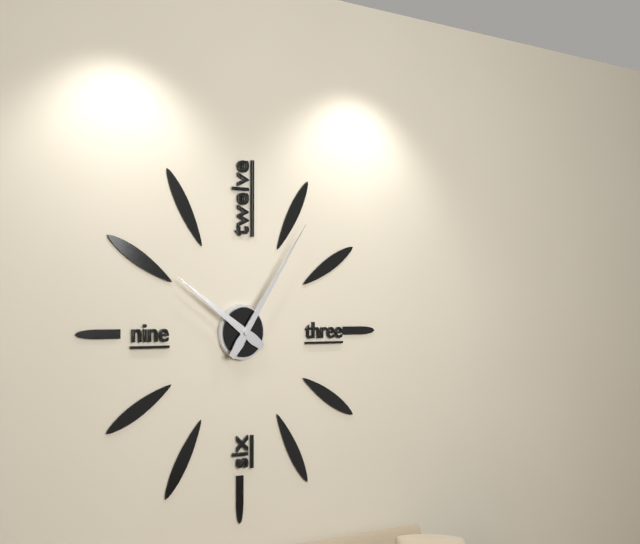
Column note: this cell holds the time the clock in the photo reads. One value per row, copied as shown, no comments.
10:06
